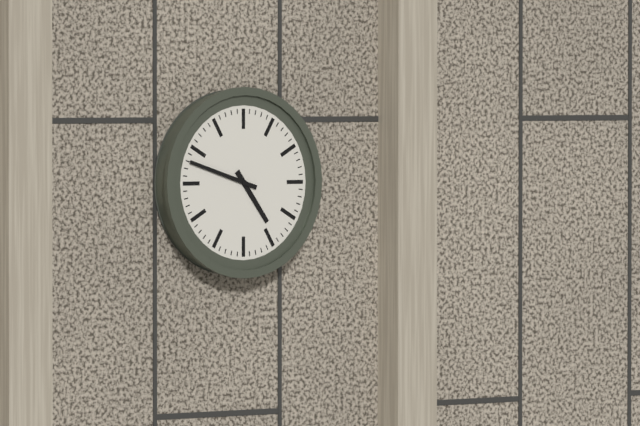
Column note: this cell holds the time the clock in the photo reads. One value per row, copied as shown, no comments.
4:48
